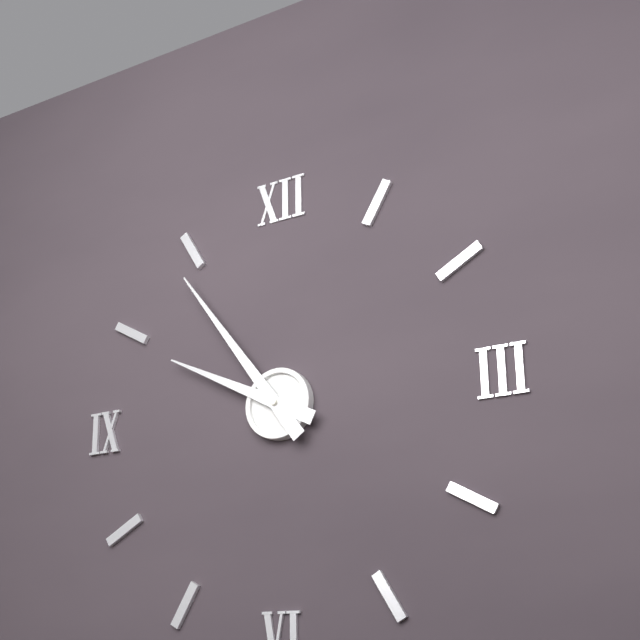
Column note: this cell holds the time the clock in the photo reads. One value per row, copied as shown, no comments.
9:54
